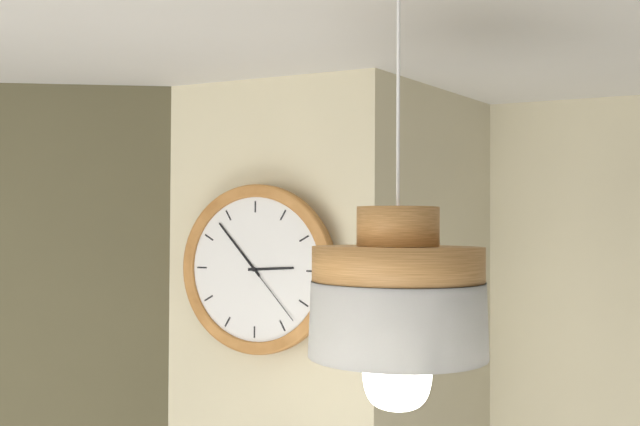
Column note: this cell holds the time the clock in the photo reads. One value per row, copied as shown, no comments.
2:53:23
